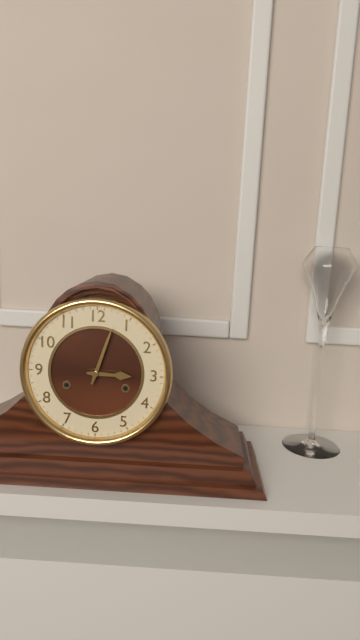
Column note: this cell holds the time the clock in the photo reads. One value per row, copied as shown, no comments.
3:03
